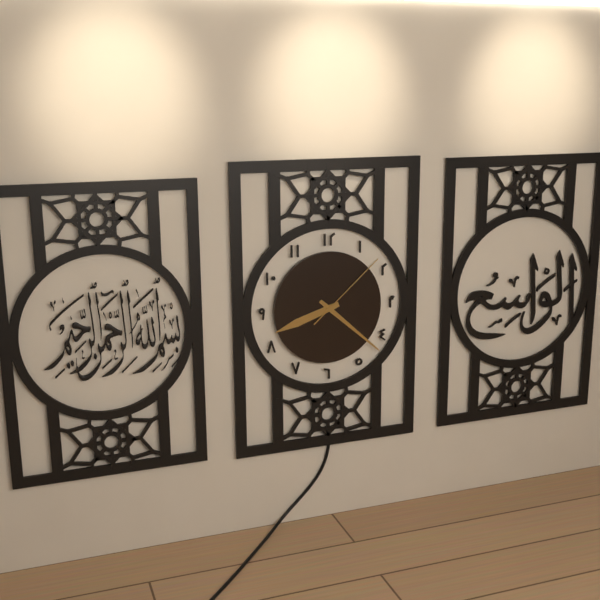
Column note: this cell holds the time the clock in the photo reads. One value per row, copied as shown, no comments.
8:22:08
